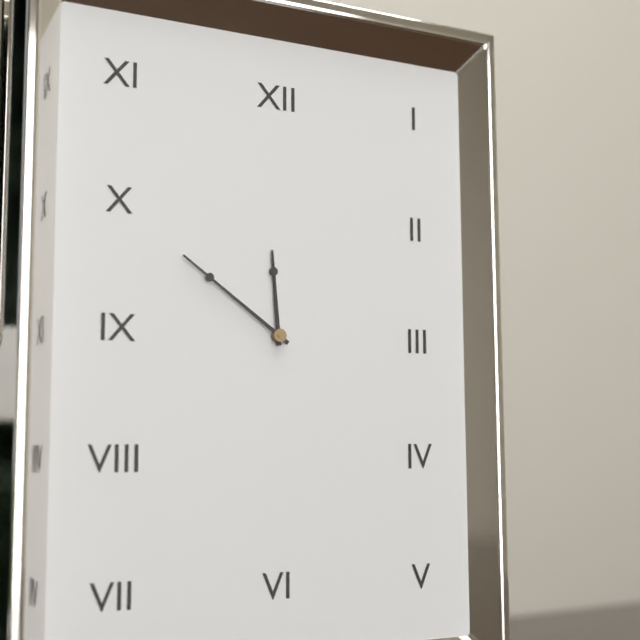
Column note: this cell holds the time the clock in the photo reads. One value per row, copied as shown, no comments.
11:51
